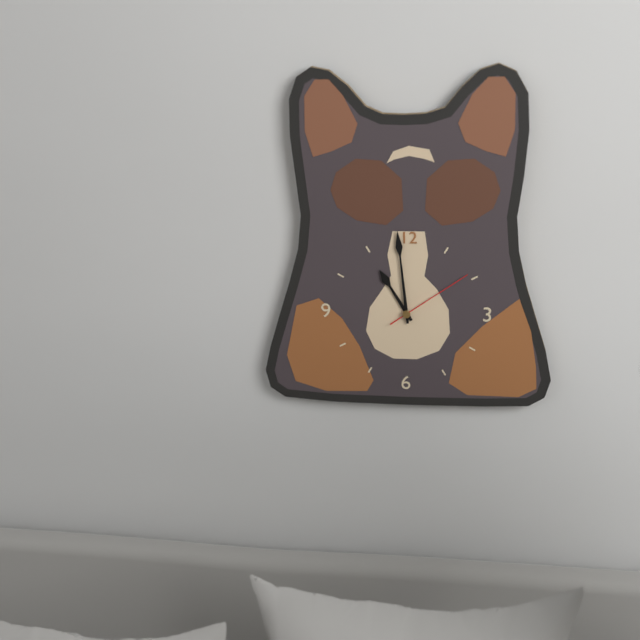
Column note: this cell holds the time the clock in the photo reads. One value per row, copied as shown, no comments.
10:59:09
